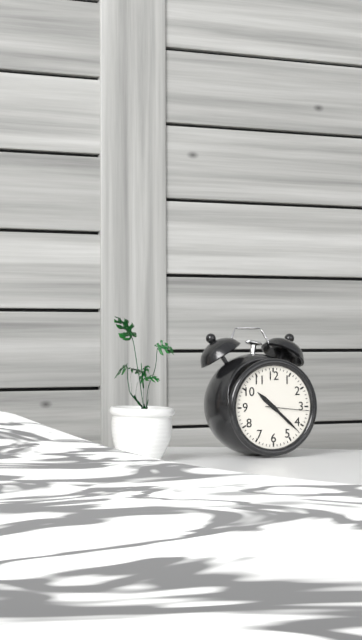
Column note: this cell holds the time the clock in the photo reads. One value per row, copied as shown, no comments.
10:22
